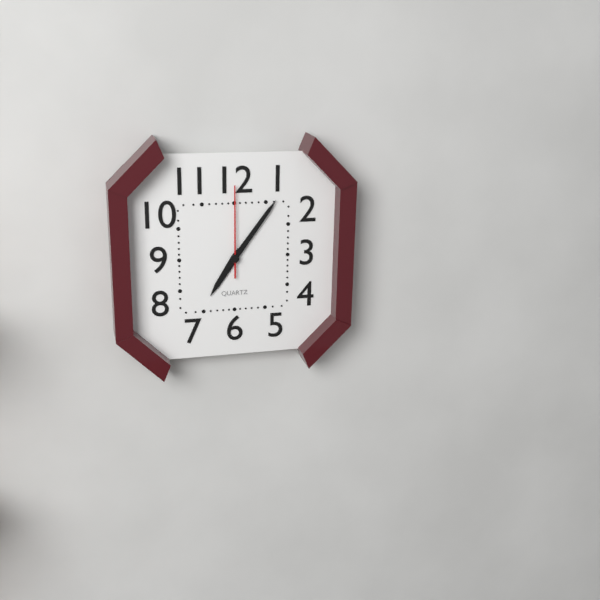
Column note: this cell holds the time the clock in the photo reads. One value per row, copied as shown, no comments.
7:06:00
